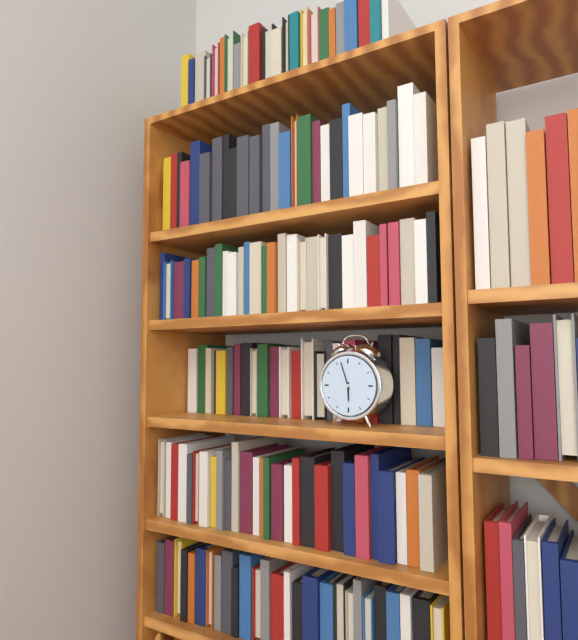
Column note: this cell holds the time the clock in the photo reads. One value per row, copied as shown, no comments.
5:57
